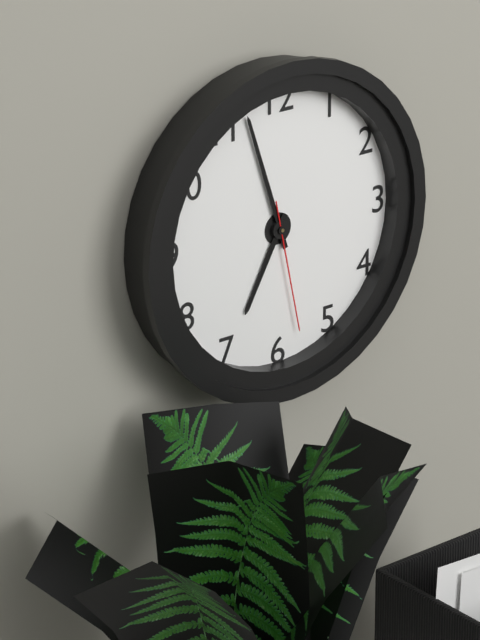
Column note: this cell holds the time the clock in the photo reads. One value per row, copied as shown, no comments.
6:57:28
